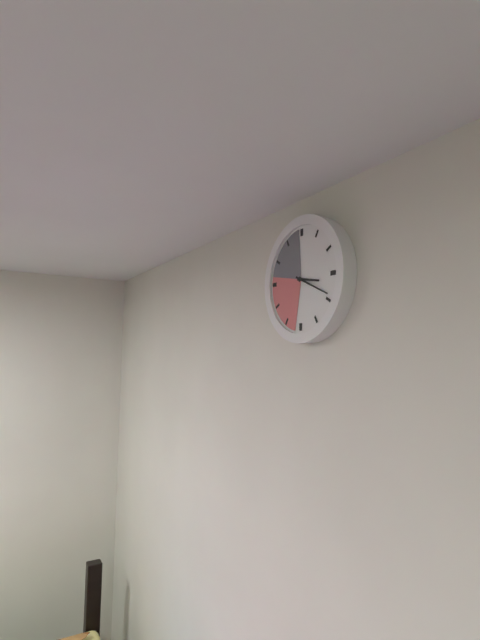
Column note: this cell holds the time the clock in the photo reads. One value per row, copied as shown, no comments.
3:19
